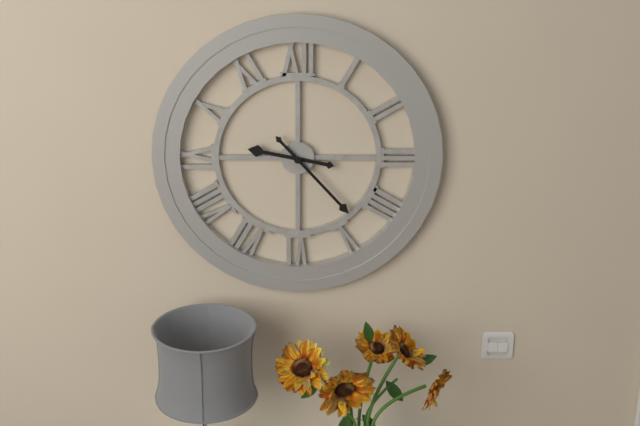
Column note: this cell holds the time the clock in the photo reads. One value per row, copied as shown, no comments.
9:23
